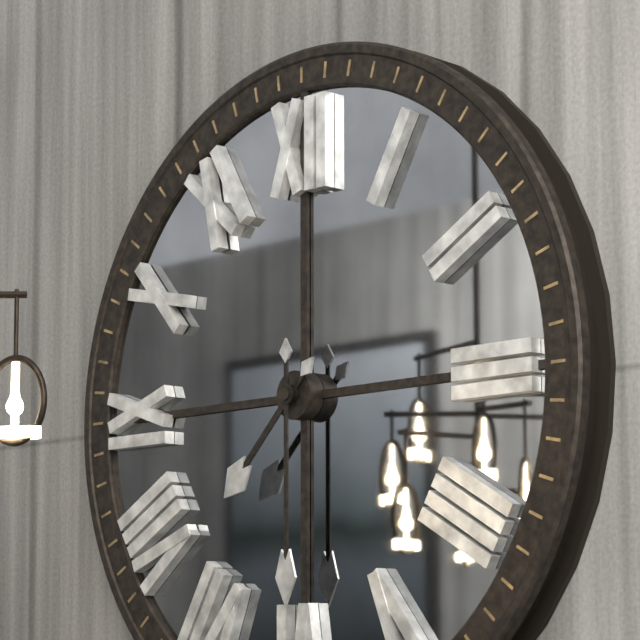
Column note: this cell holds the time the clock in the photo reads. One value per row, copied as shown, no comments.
7:30
